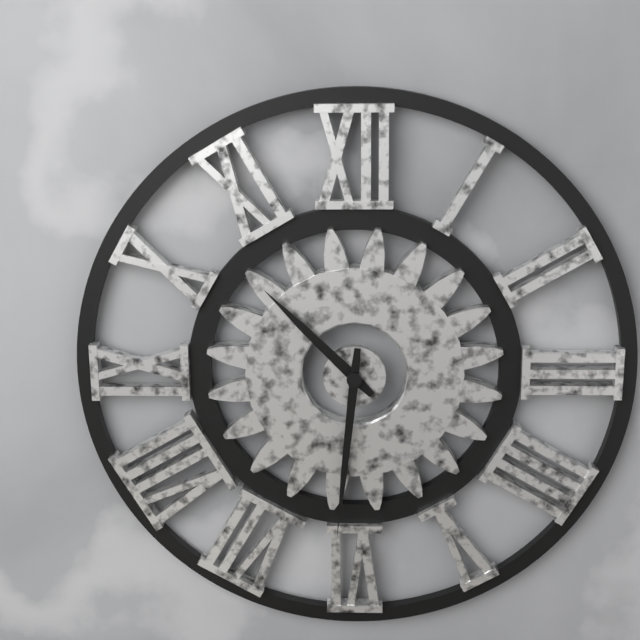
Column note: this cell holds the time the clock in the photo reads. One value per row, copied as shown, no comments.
10:31
